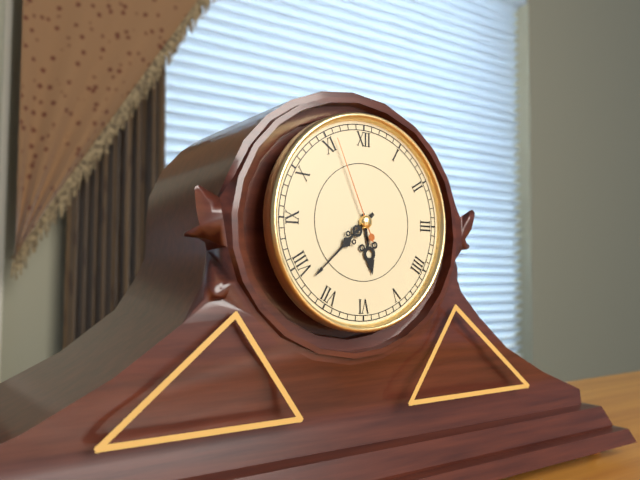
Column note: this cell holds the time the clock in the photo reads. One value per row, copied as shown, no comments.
5:38:56
